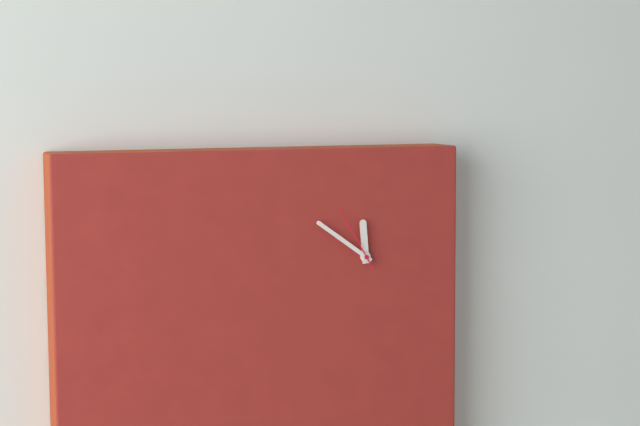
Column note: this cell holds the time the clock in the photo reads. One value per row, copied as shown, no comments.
11:51:55
